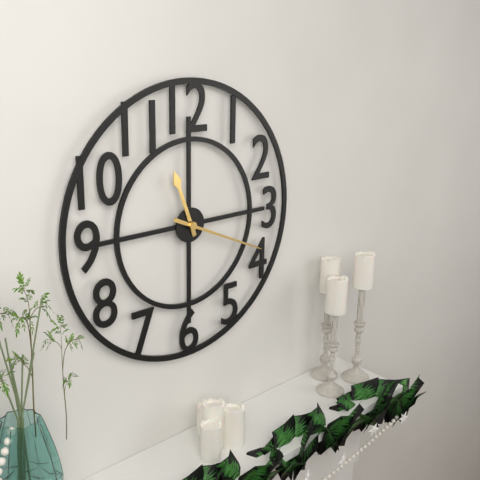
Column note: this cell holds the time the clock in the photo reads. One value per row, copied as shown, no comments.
11:19
